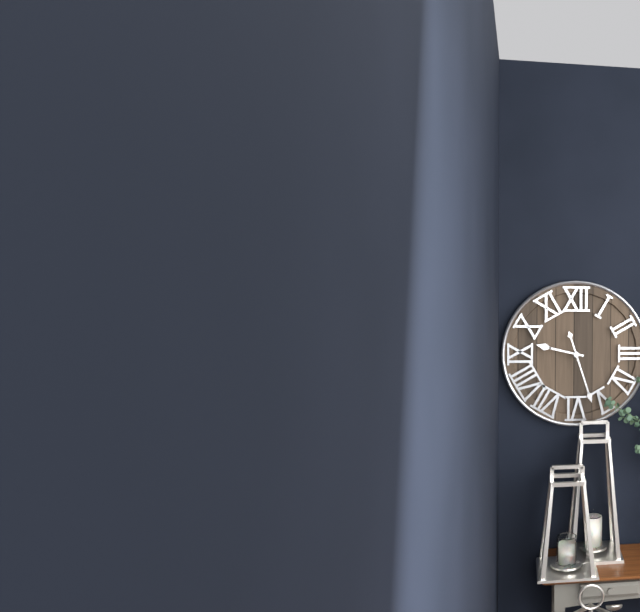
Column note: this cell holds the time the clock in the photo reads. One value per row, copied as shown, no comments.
9:27
